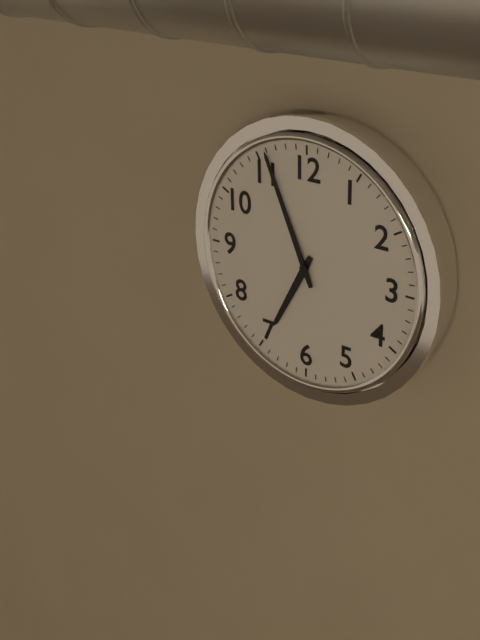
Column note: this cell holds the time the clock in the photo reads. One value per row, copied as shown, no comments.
6:56
